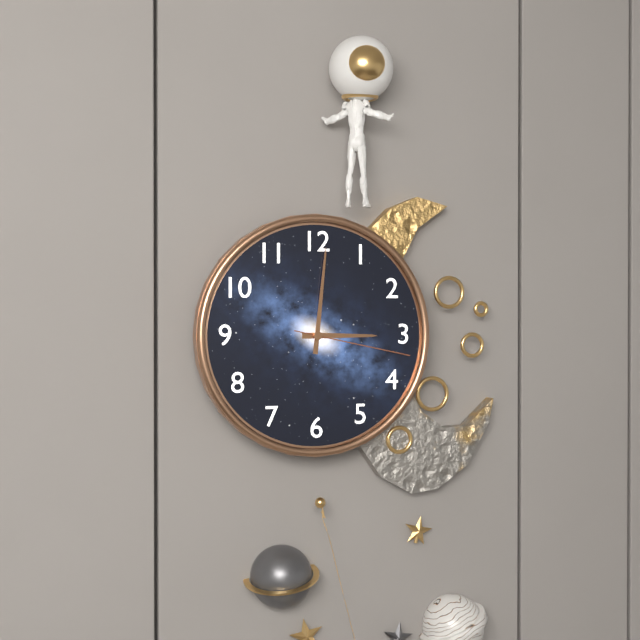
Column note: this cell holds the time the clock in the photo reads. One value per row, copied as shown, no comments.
3:01:17
